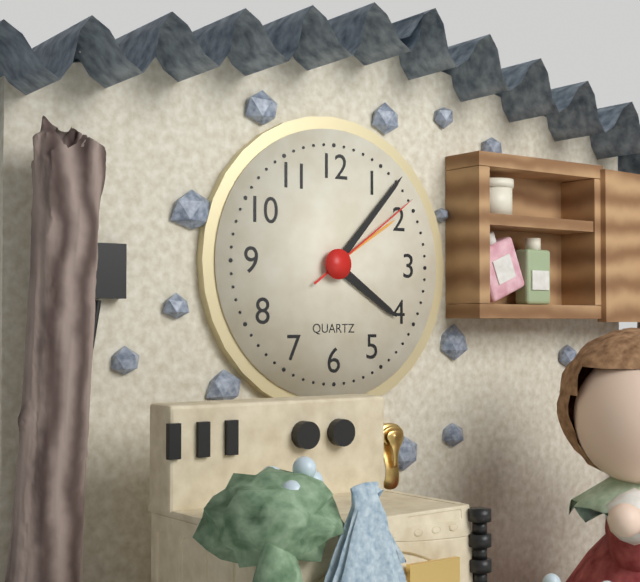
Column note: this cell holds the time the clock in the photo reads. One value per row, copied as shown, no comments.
4:07:09
